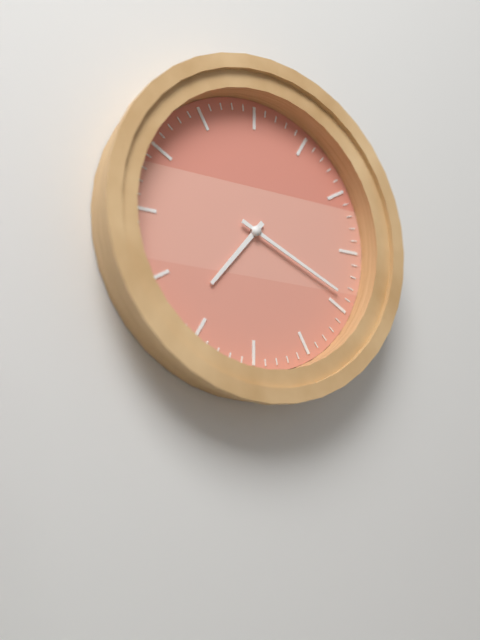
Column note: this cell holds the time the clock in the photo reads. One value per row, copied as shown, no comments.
7:19
